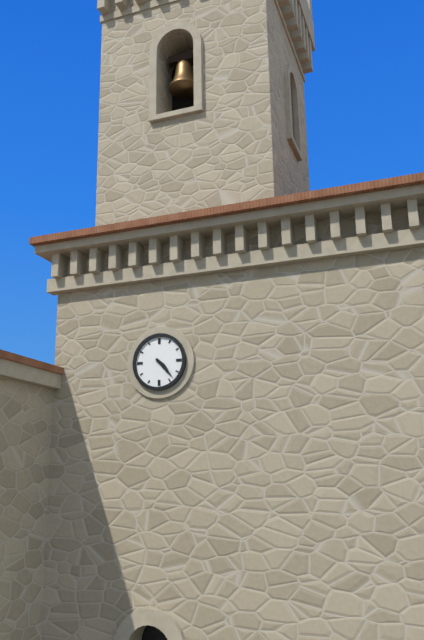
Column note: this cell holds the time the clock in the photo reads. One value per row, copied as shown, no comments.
4:23
